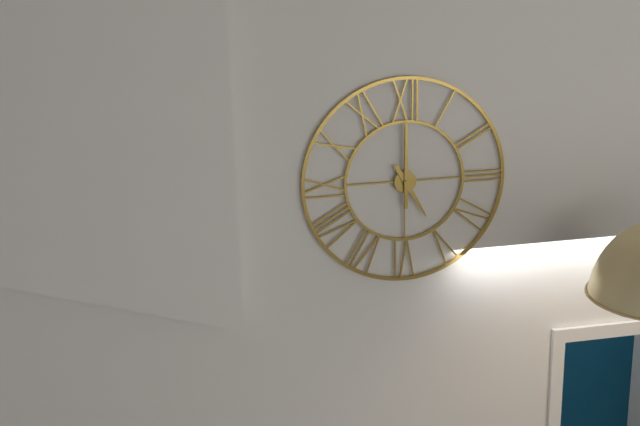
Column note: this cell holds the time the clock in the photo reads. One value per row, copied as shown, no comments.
5:00
